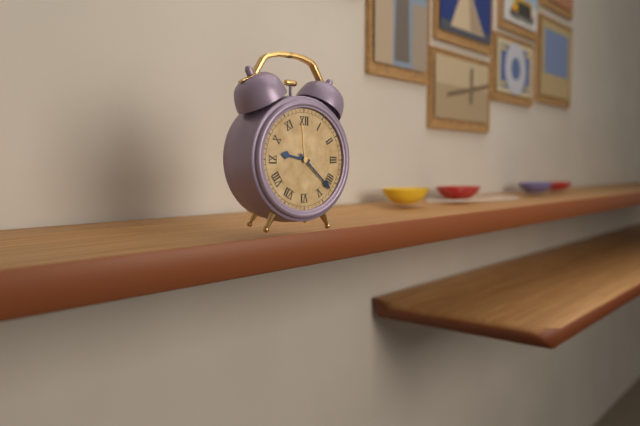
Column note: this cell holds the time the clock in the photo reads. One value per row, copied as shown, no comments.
9:22
